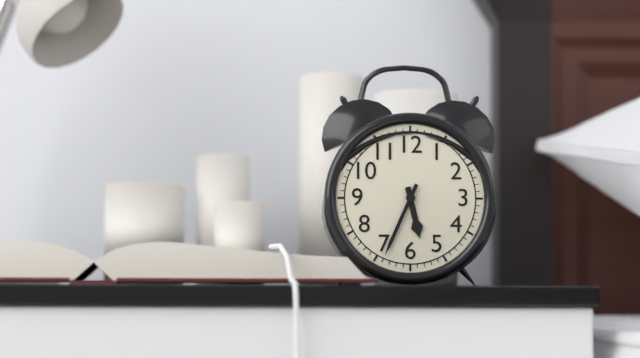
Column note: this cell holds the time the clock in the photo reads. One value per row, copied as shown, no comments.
5:34
